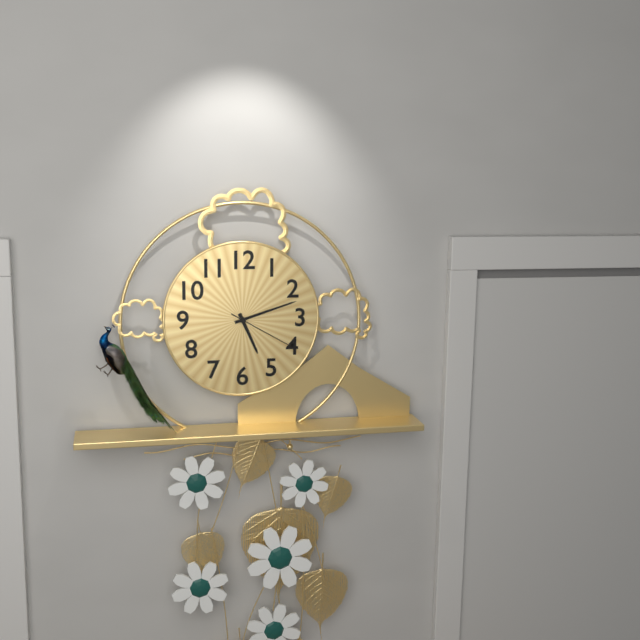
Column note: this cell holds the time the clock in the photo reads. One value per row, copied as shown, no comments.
5:12:20
